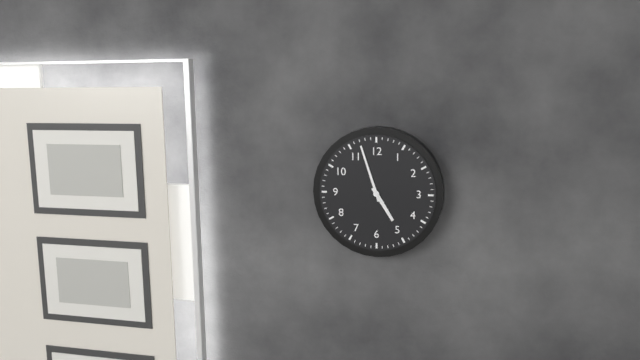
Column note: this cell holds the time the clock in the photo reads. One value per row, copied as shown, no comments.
4:57
